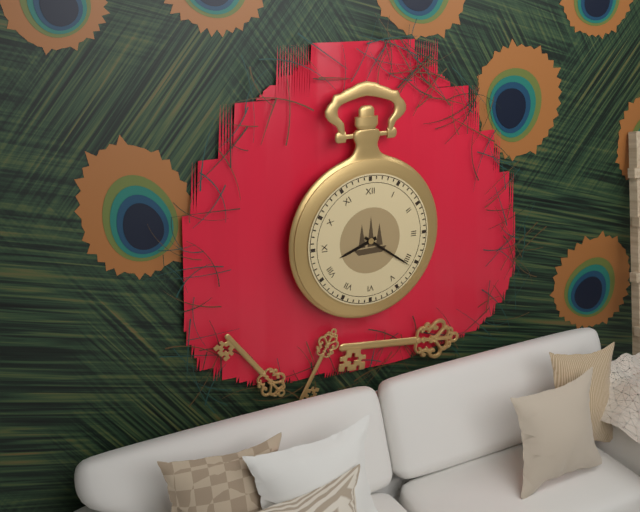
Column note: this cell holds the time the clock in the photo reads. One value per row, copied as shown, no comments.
8:21
